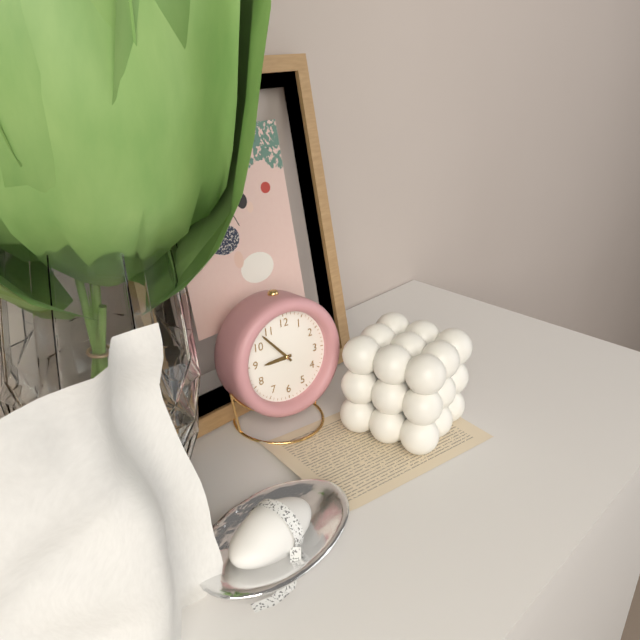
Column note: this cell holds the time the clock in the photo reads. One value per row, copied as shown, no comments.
8:53
